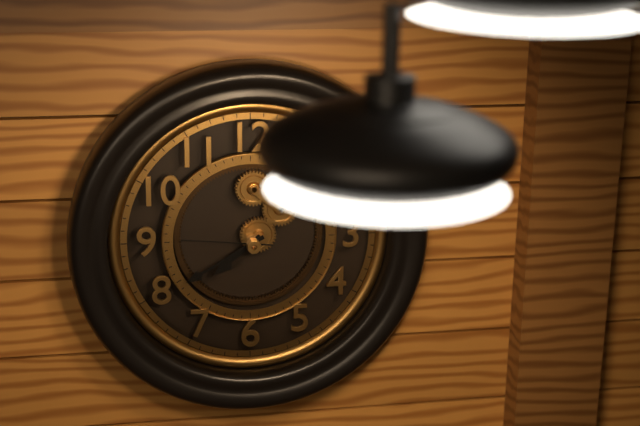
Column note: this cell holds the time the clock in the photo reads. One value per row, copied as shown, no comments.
7:40:46
